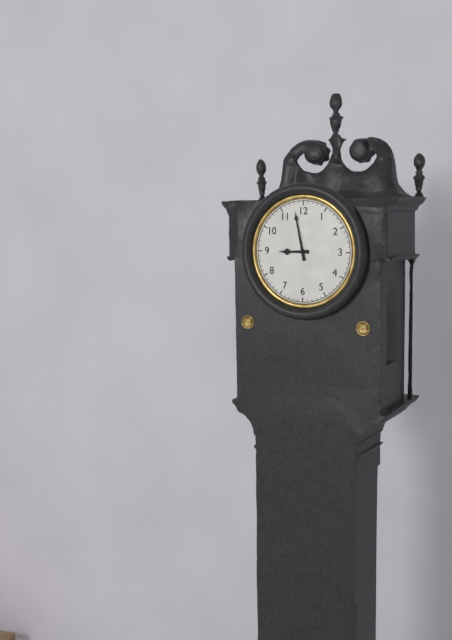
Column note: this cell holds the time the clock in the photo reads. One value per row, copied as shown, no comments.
8:58
